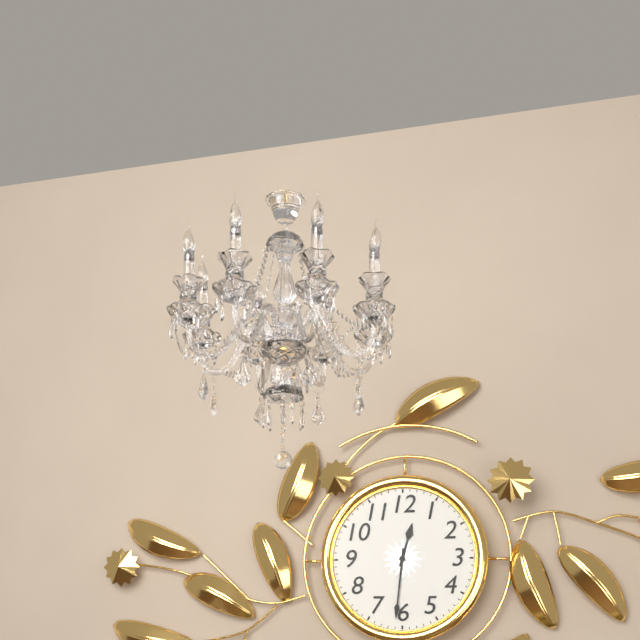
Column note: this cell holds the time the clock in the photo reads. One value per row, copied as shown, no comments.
12:31
